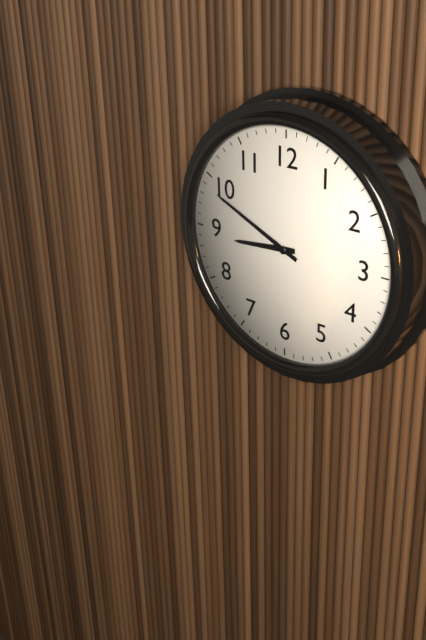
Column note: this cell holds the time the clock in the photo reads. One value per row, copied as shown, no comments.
8:49
